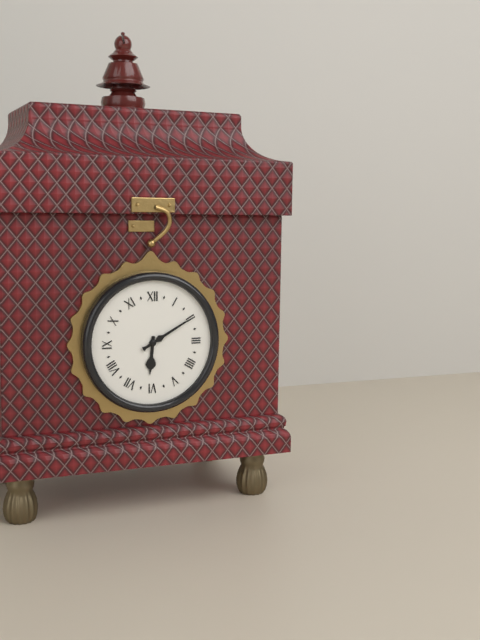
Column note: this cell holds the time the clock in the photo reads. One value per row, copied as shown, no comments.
6:10
